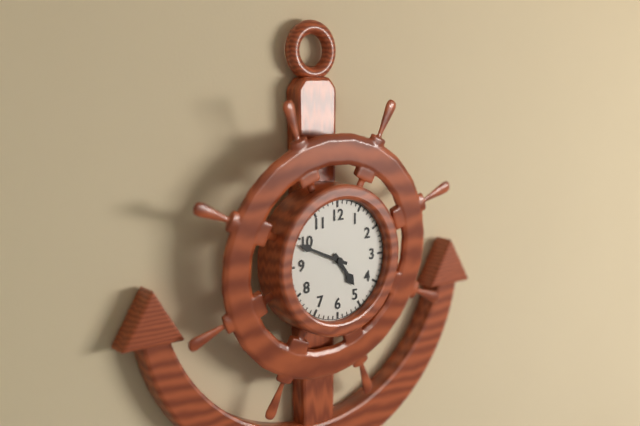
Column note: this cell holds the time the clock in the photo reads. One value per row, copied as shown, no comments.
4:49
